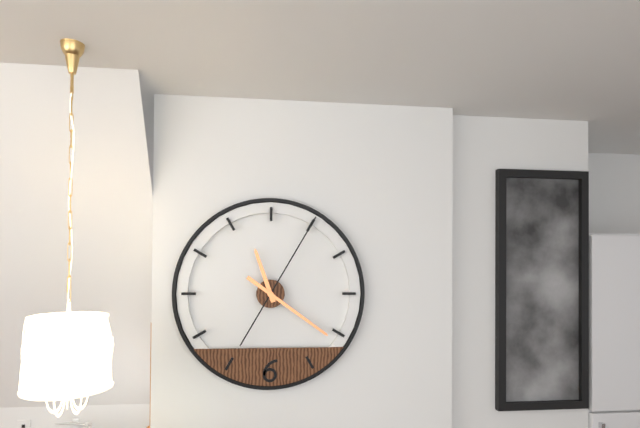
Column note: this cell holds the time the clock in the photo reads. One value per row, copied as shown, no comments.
11:21:05
